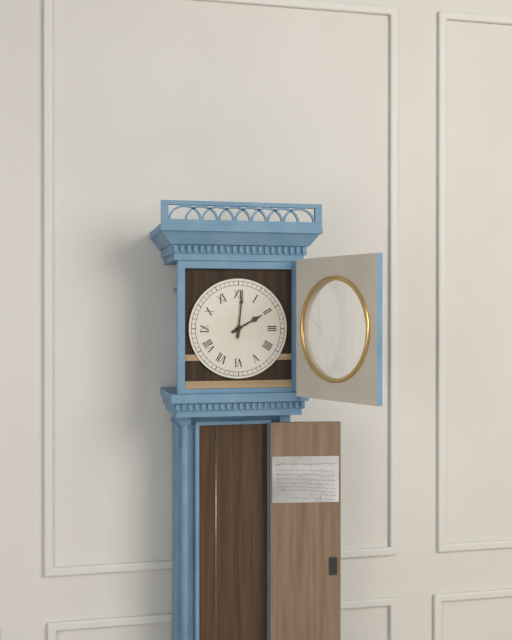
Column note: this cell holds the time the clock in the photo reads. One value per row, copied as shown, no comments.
2:01
